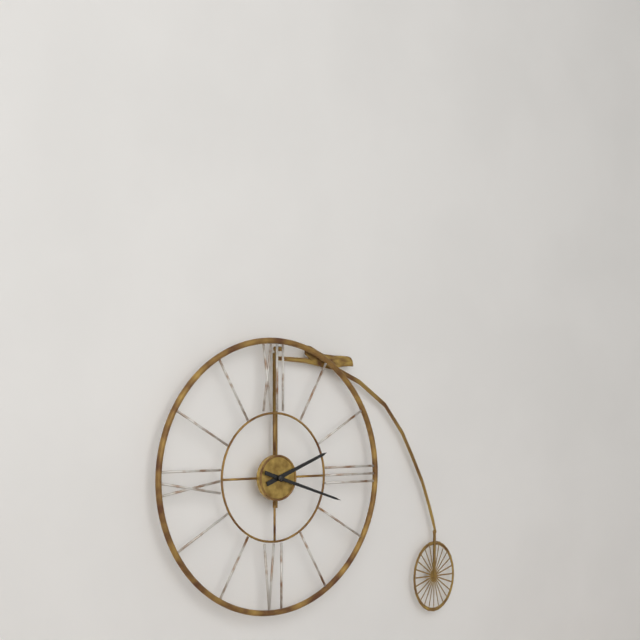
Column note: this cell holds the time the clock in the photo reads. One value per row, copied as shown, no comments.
2:18
